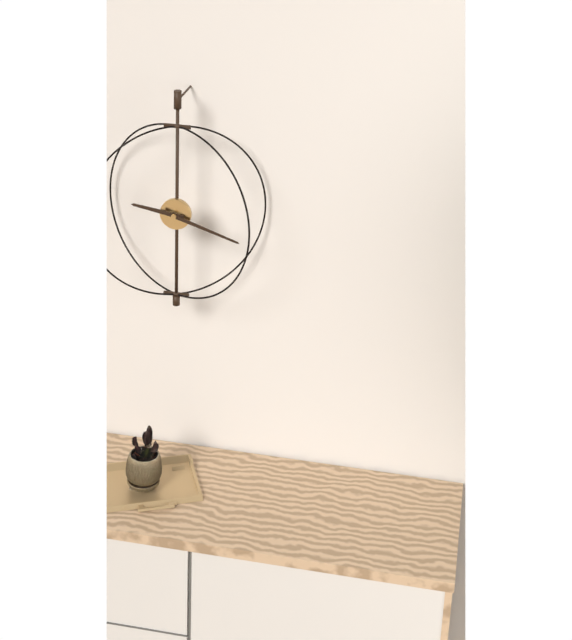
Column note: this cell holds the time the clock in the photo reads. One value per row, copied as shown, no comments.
9:18
